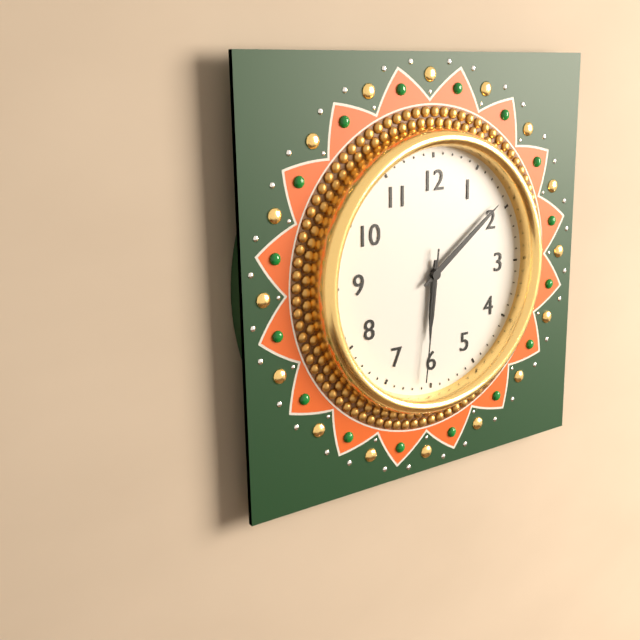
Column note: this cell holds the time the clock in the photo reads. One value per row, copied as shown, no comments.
6:09:31
